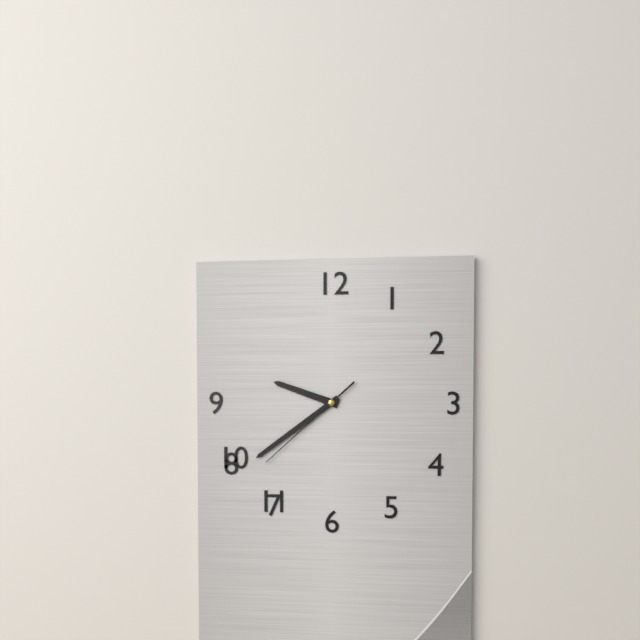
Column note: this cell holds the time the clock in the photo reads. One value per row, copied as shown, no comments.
9:39:38
